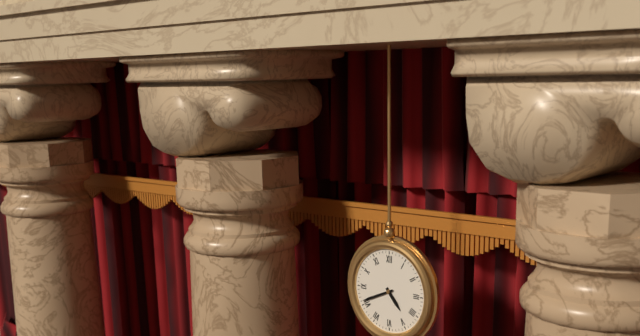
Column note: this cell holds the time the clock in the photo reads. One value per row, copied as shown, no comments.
4:41
